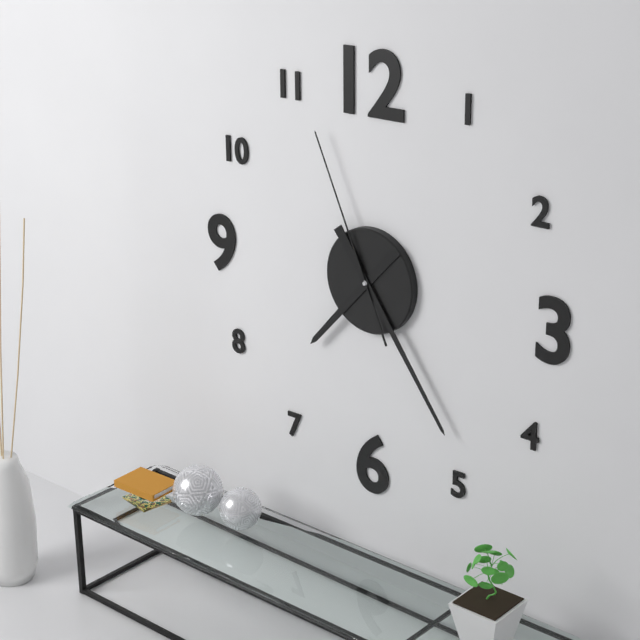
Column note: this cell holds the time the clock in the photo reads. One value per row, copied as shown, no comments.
7:24:56
